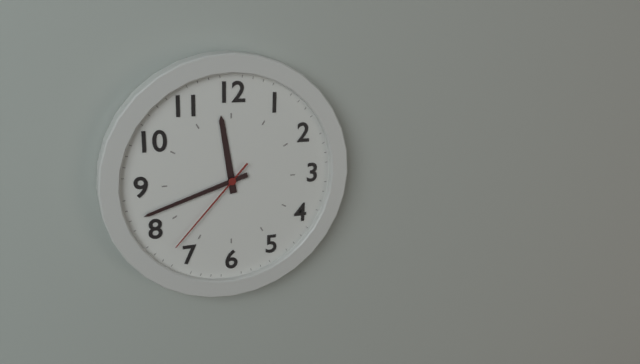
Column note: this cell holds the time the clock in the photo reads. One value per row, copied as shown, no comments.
11:42:37
